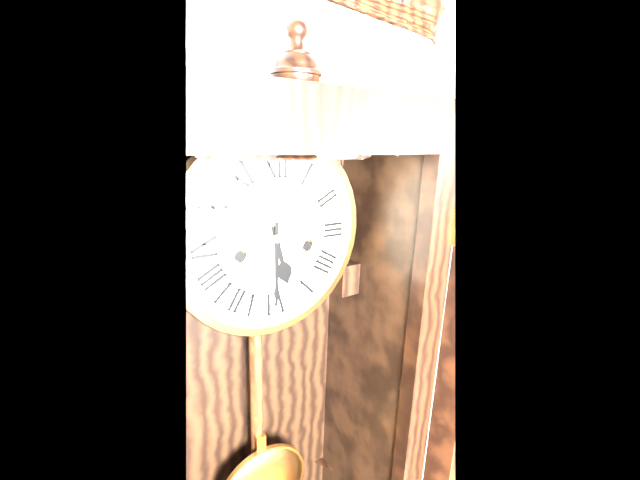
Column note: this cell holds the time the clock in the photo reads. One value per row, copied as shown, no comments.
5:30
